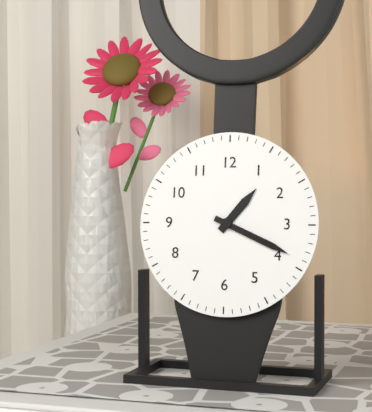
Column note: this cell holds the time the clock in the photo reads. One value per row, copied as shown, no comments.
1:19
